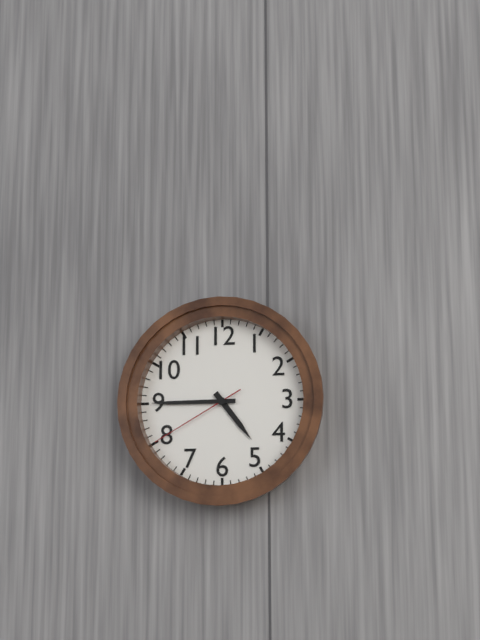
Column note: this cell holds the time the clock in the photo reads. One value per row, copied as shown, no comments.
4:45:40
